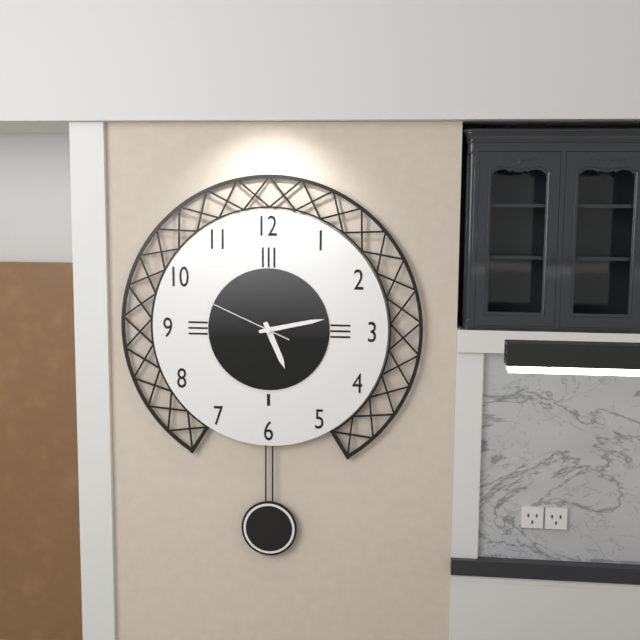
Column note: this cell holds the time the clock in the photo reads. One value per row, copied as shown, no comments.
5:13:49
